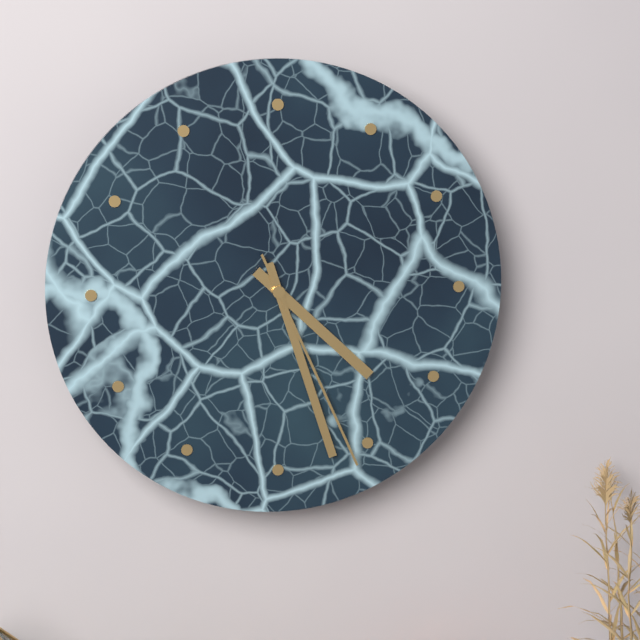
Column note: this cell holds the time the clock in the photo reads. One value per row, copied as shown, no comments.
4:27:26
